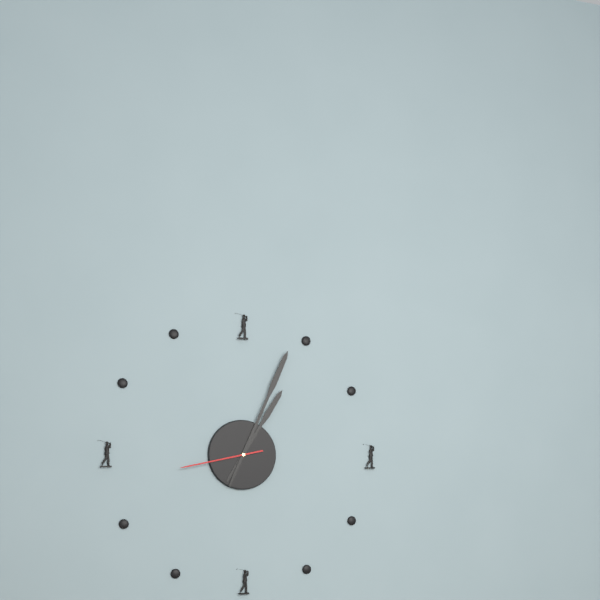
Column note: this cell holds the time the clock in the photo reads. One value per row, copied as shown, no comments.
1:04:43
